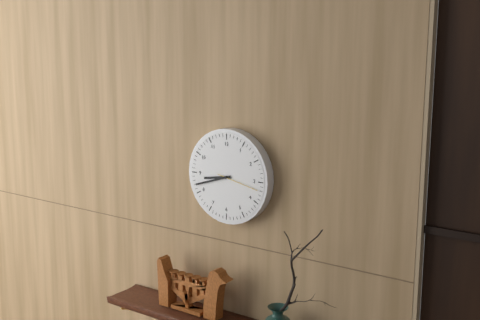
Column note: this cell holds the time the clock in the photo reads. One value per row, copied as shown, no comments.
8:42
